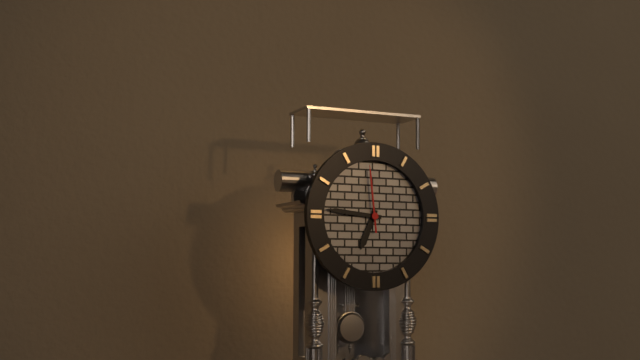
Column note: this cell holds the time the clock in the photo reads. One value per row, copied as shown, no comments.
6:46:59
